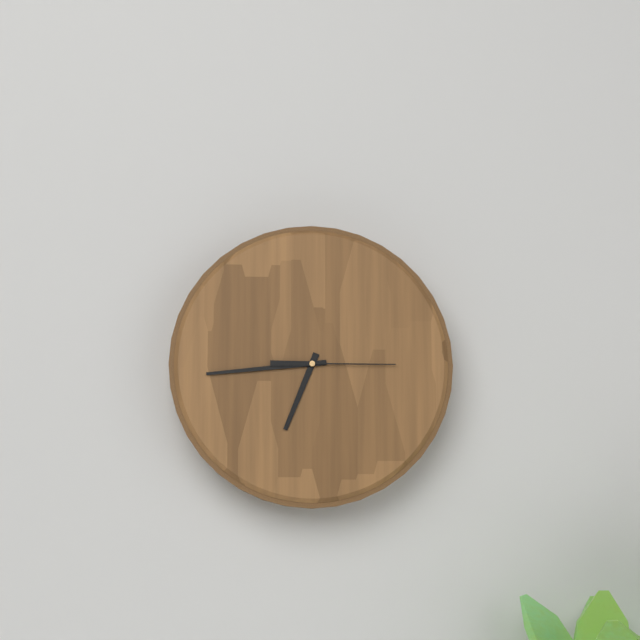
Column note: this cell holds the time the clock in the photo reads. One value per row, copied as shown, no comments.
6:44:15
